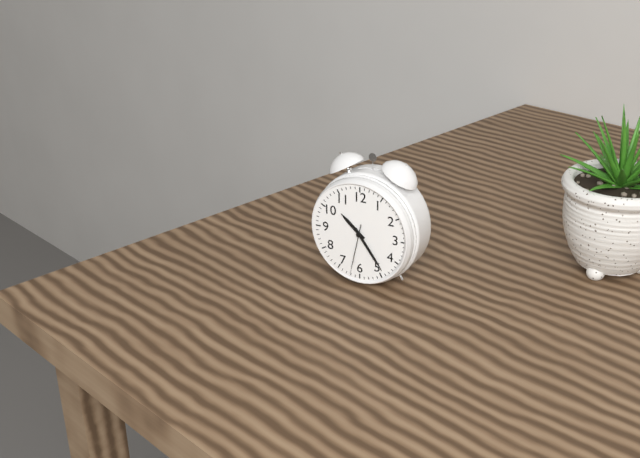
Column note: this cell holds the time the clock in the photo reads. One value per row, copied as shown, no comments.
10:24:32
